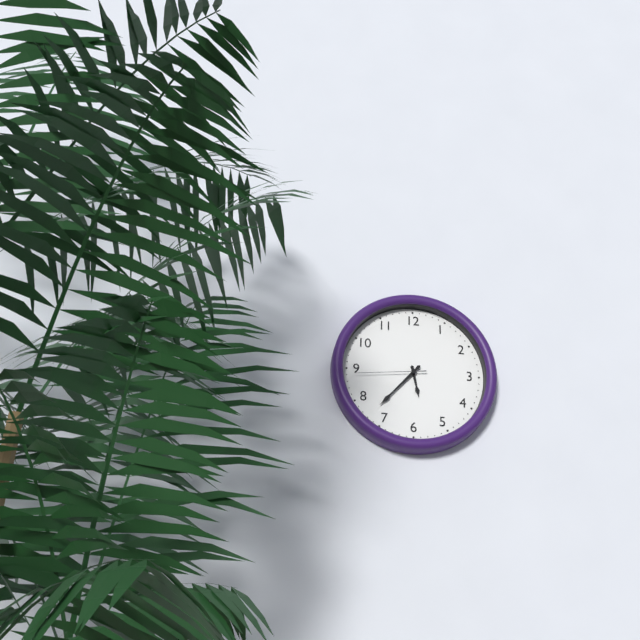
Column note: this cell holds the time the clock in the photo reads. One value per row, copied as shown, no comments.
5:37:44
